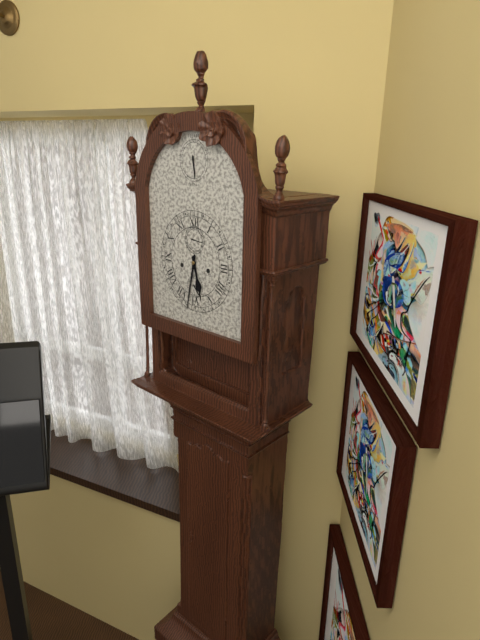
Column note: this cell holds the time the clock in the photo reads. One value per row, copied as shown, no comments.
5:32
